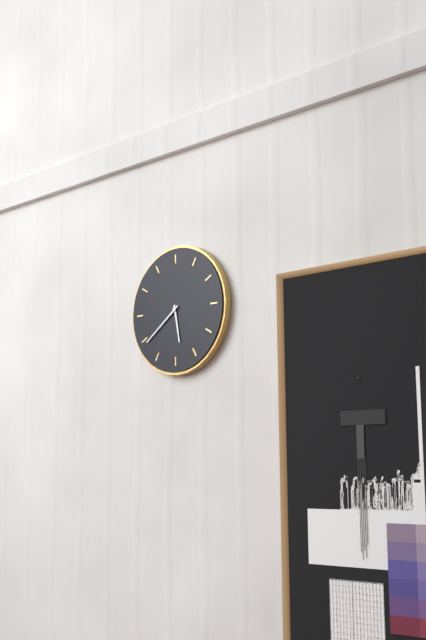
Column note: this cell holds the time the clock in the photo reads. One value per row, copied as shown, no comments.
5:39
